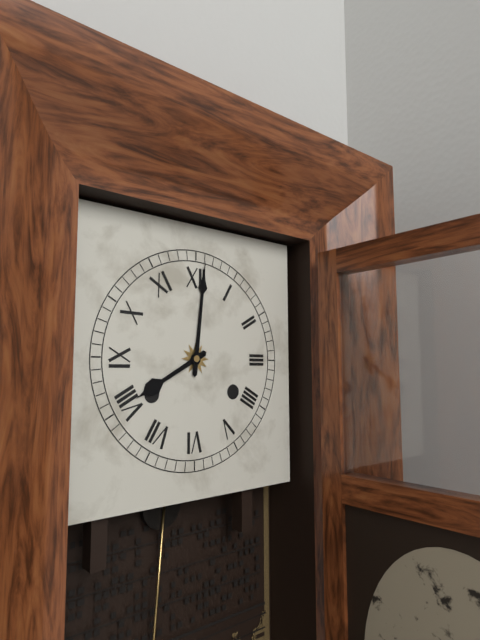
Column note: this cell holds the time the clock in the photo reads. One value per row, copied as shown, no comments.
8:01
